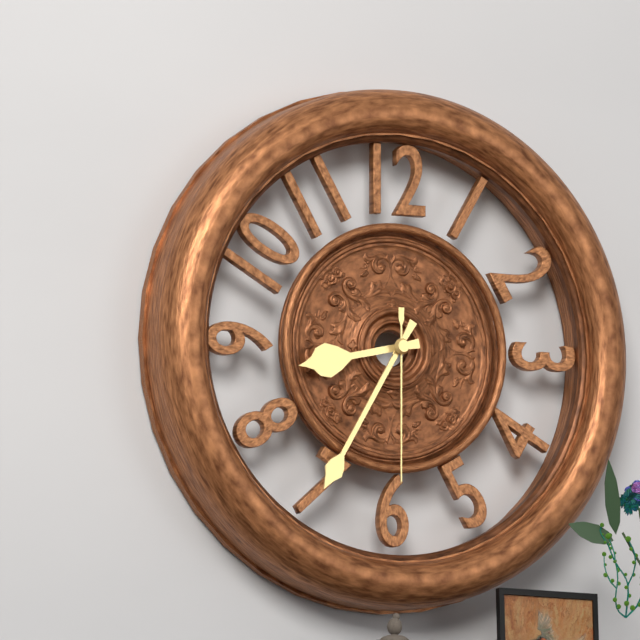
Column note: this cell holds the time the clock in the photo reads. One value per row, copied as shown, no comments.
8:35:30
